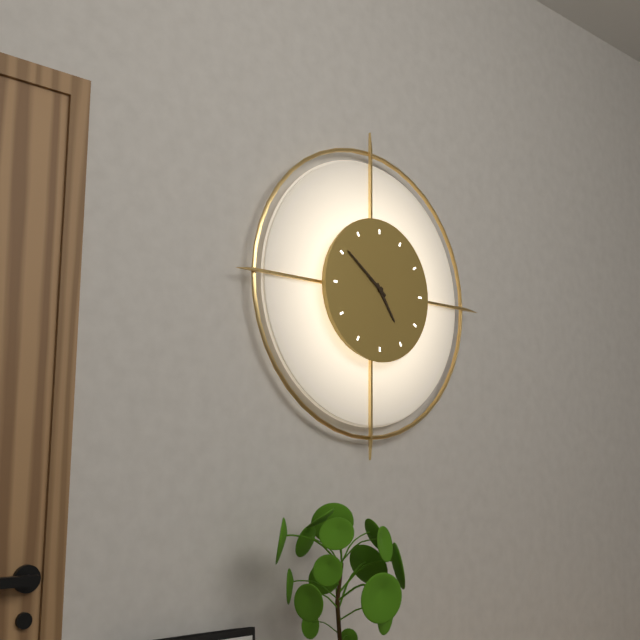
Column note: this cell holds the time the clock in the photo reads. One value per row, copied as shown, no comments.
4:51
